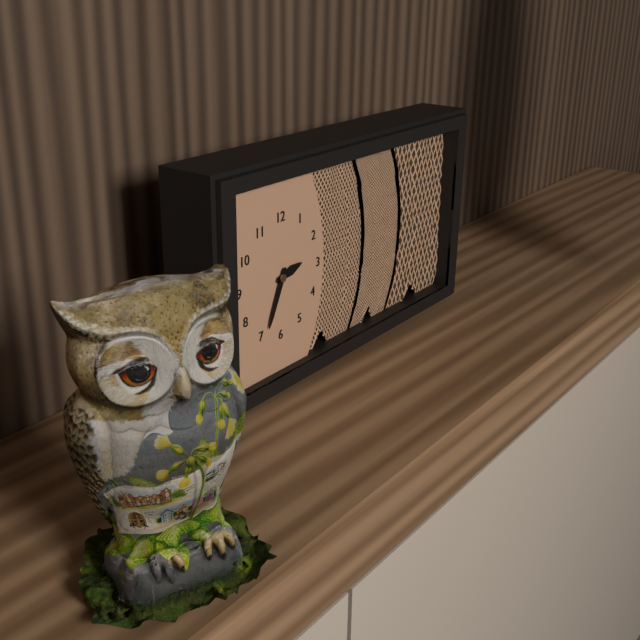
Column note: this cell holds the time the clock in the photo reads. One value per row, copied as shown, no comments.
2:34
